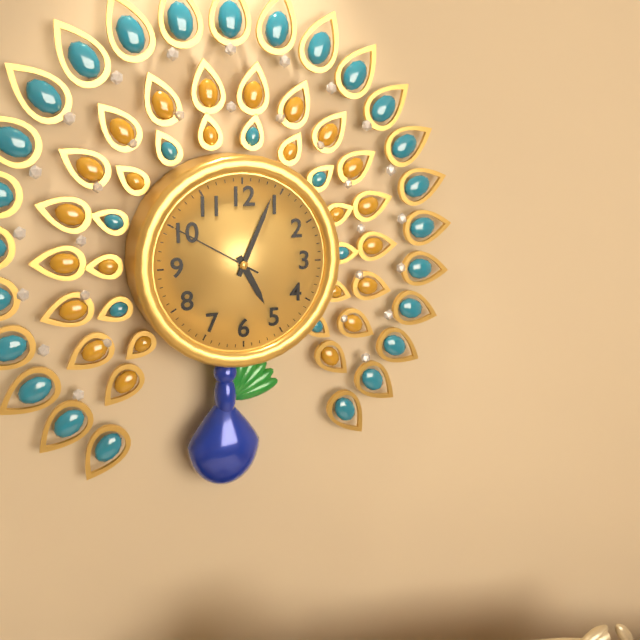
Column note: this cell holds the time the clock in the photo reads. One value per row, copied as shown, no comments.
5:04:50
